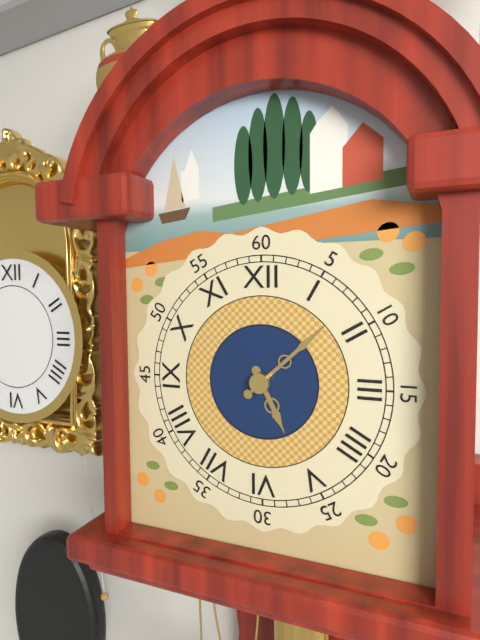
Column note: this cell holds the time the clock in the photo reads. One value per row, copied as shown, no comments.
5:08
